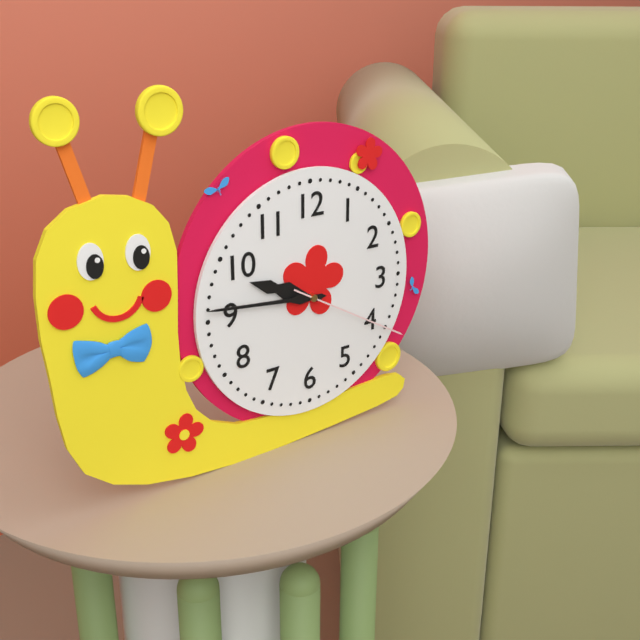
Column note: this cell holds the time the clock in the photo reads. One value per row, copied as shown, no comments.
9:46:20
